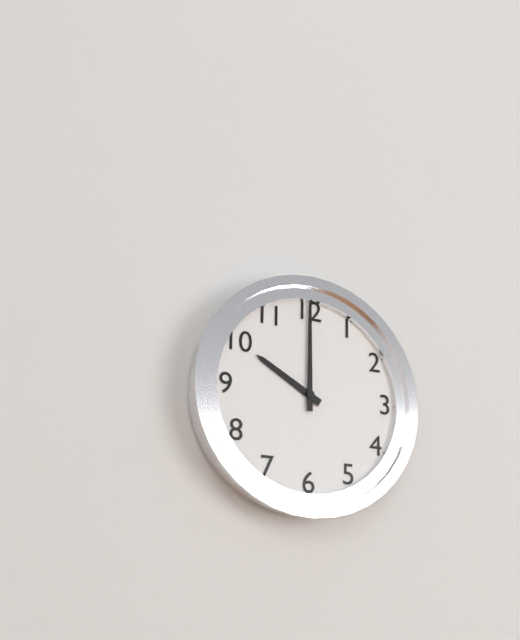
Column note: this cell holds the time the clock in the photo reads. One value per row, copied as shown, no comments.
10:00
